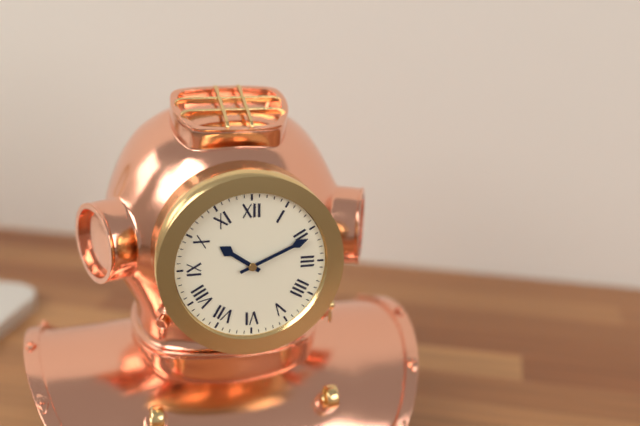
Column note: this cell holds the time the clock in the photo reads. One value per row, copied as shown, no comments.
10:11
